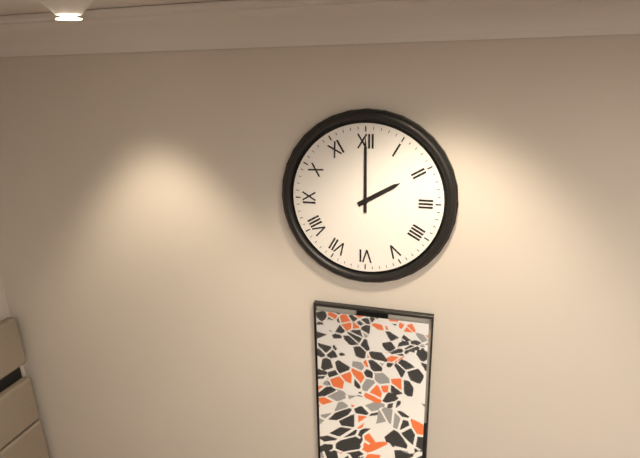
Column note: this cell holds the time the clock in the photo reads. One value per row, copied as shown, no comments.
2:00
